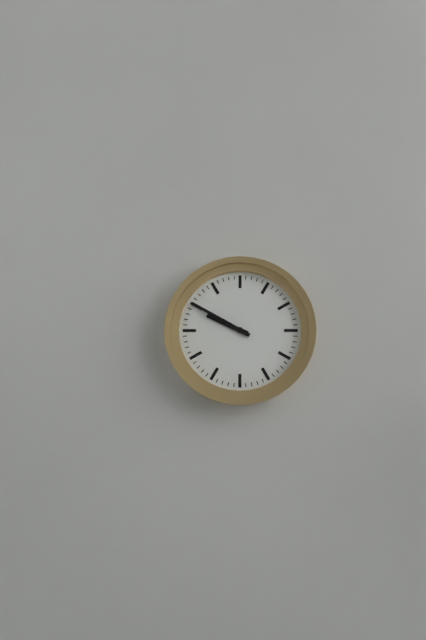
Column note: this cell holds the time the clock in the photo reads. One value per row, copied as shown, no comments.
9:50
